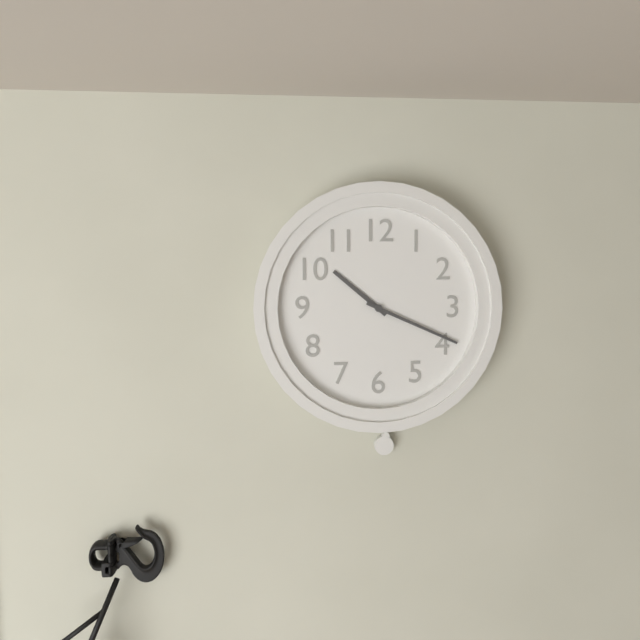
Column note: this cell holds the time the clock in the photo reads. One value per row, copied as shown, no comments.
10:19
